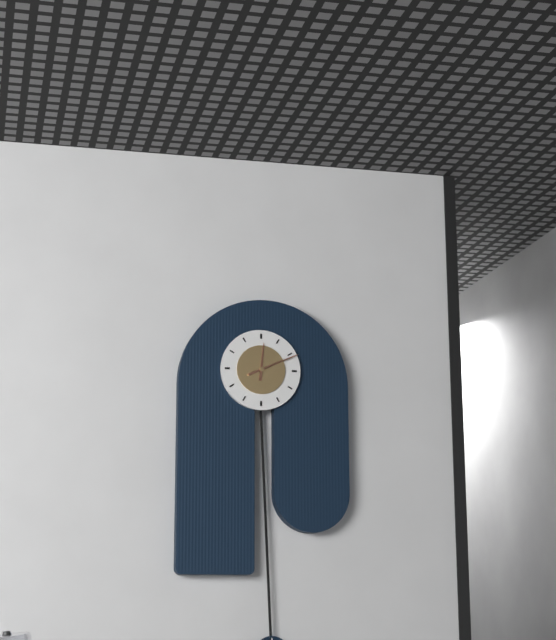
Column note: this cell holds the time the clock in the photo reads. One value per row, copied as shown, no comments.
12:11
